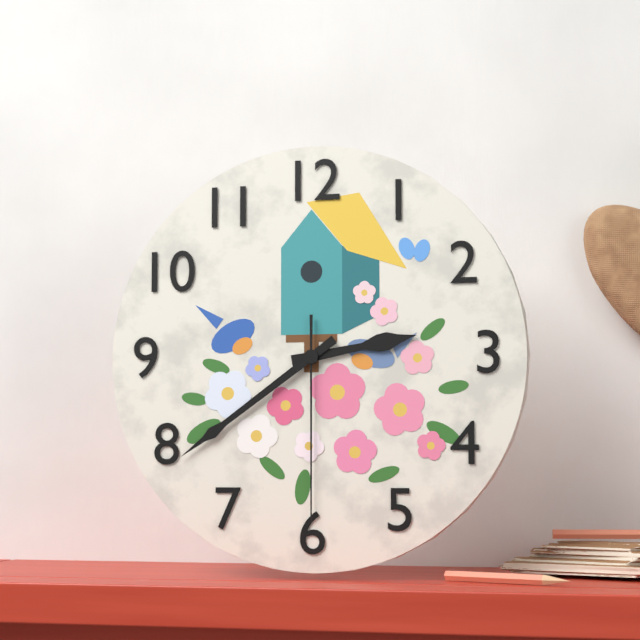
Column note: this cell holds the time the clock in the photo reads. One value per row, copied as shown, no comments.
2:39:30
